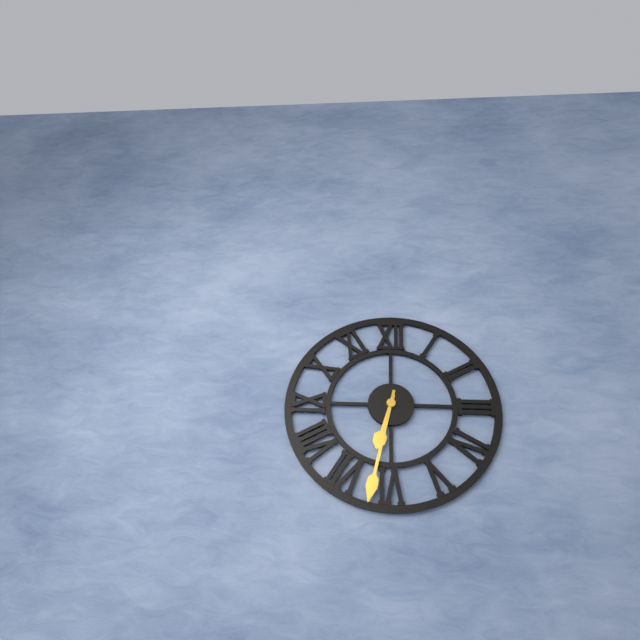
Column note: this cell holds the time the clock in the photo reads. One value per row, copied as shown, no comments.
6:32
